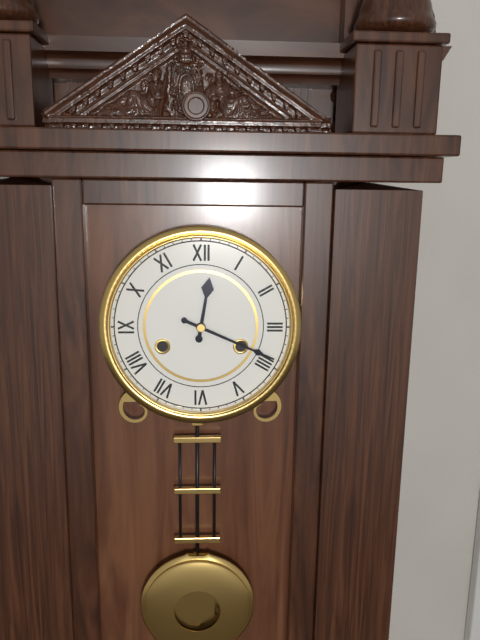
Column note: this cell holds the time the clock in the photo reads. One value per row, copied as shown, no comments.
12:19
